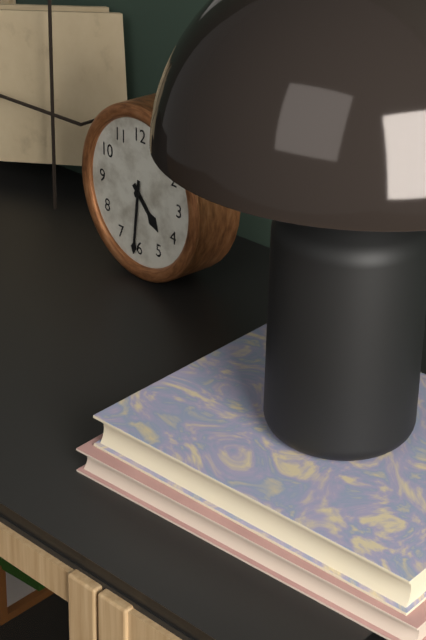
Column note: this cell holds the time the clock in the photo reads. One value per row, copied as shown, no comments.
4:31
